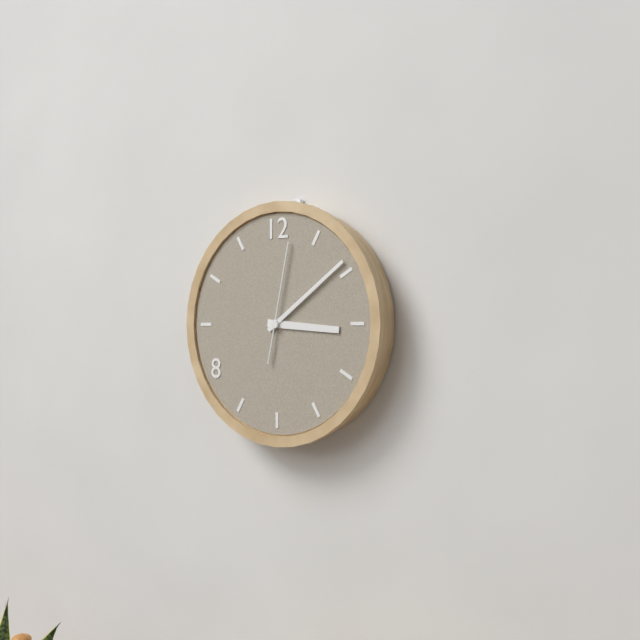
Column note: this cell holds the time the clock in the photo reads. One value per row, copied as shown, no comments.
3:09:02
